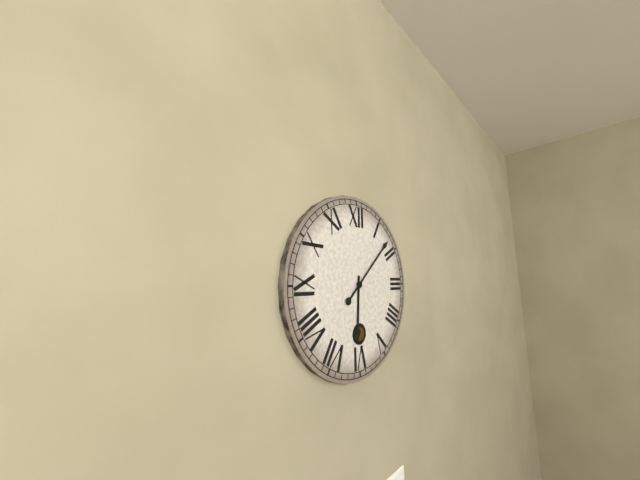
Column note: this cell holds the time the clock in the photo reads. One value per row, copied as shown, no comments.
6:08
